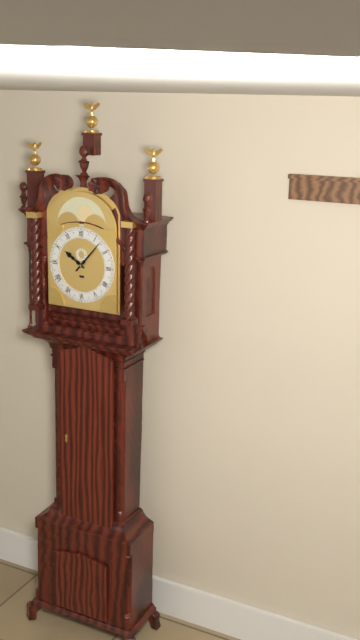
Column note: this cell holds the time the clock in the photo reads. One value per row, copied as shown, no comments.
10:07
